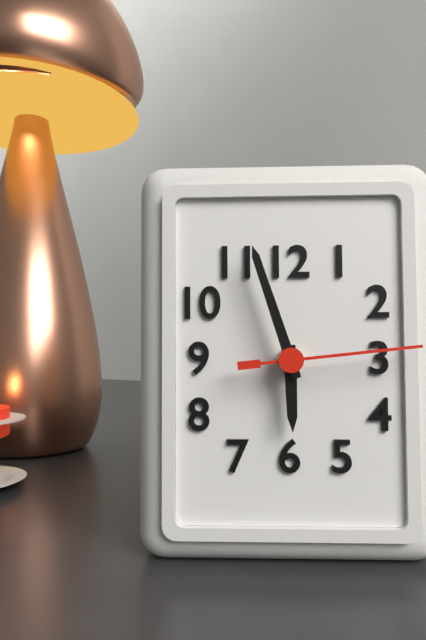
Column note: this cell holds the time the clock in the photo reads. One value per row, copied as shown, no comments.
5:57:14
